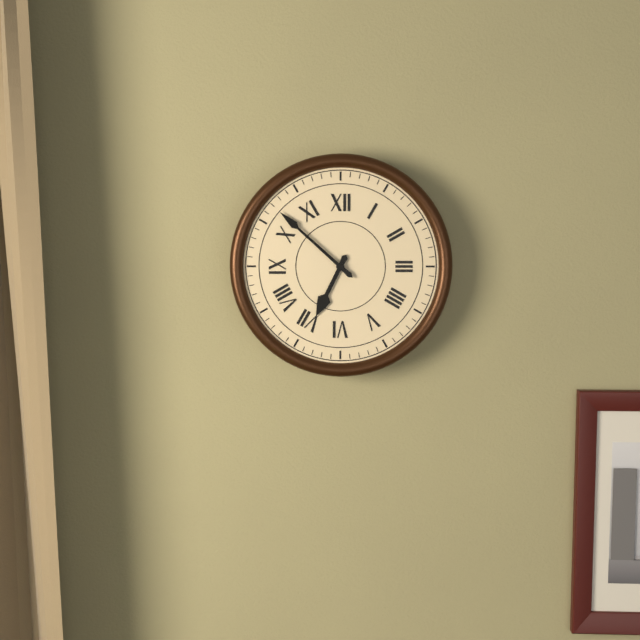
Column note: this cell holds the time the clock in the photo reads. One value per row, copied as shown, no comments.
6:52
